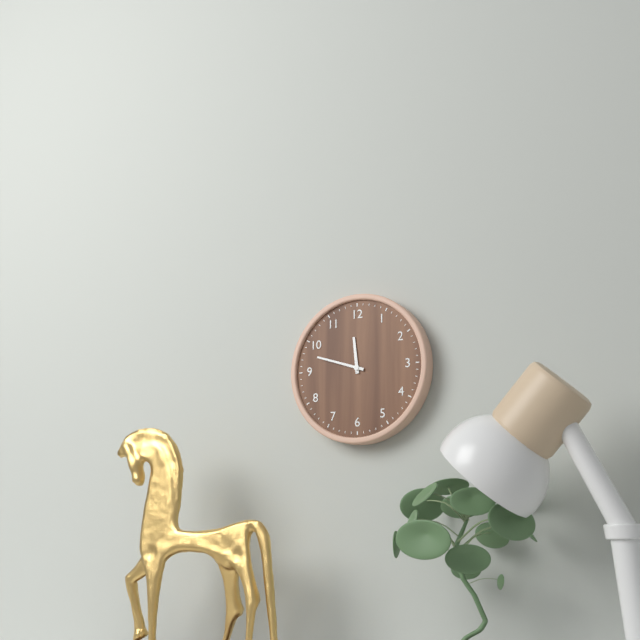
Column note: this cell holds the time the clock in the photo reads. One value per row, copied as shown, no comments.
11:48
